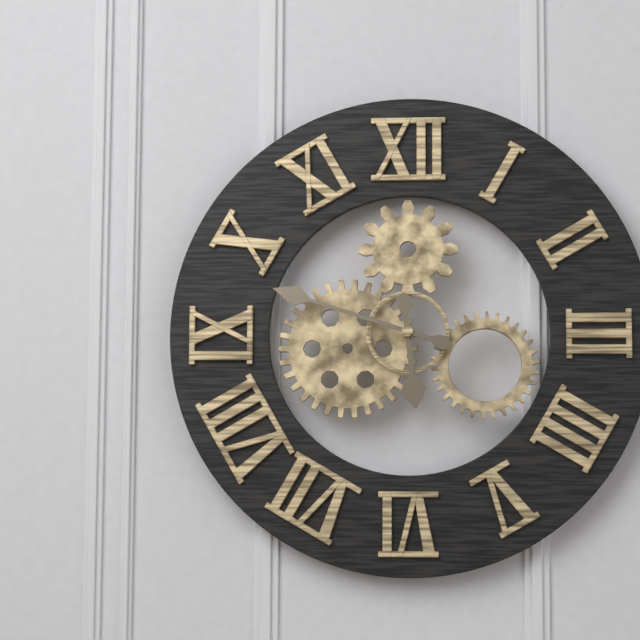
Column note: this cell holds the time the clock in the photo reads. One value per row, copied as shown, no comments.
5:48
